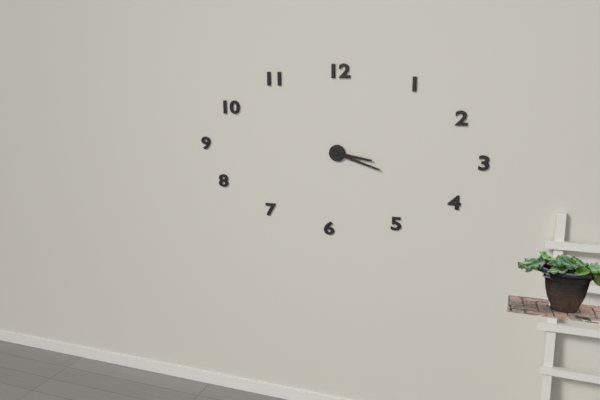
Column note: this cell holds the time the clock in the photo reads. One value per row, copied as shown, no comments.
3:18
